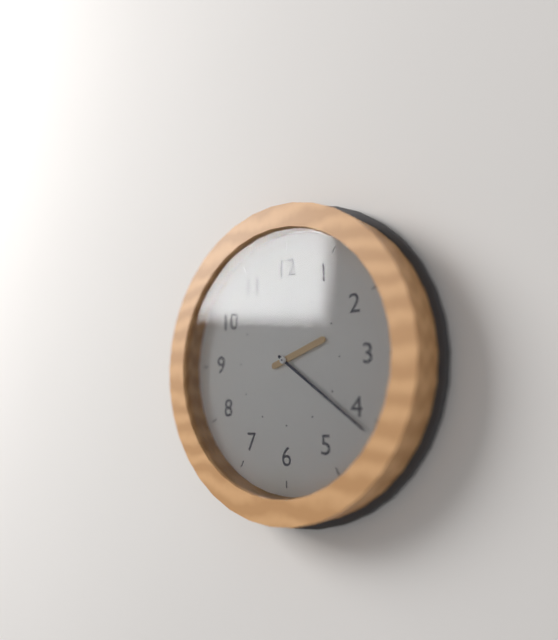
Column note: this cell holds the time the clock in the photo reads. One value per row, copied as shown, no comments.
2:21
